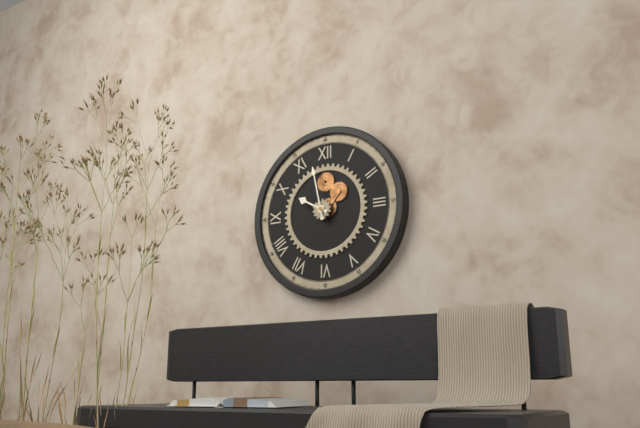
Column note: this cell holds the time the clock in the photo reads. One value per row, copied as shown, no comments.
9:58
